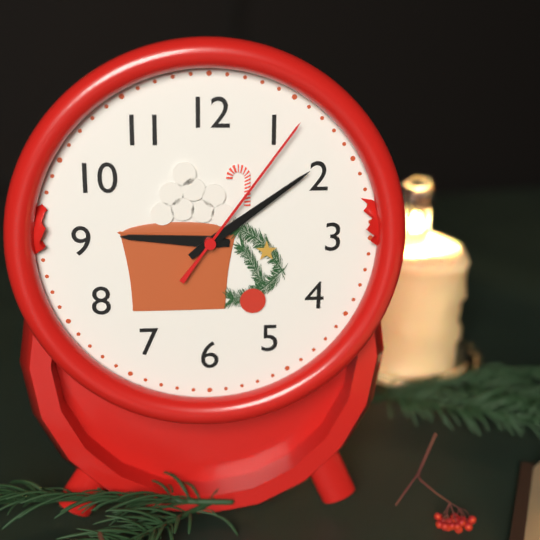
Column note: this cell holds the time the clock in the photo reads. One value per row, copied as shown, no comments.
9:09:06
